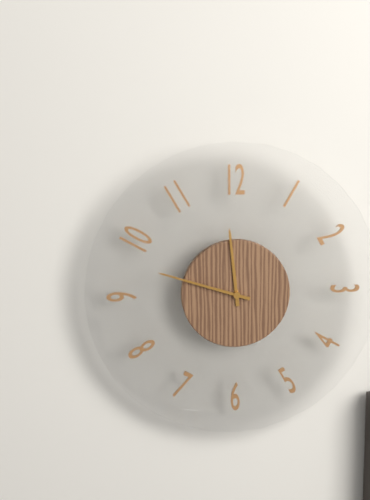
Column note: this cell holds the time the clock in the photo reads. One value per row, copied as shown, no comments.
11:48
